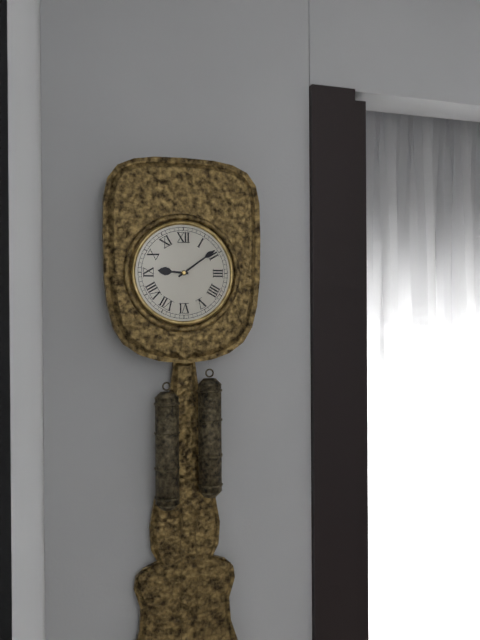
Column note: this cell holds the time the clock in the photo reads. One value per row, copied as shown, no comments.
9:09
